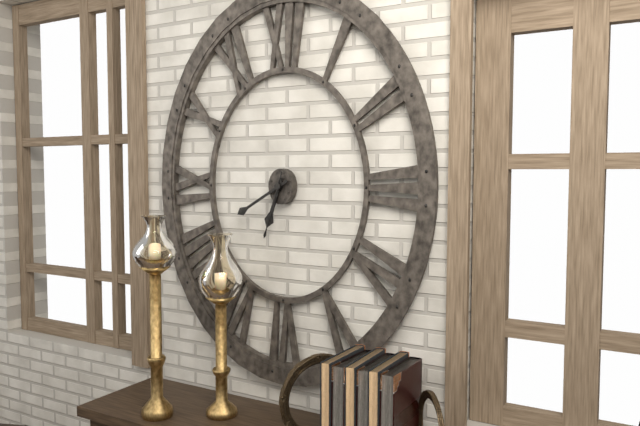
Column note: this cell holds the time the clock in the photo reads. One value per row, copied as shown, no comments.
6:40:33
